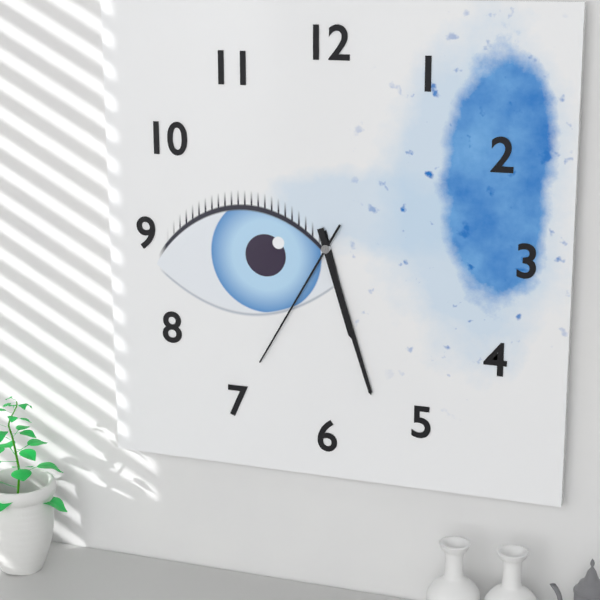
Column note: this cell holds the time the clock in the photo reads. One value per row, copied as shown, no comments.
5:27:35
